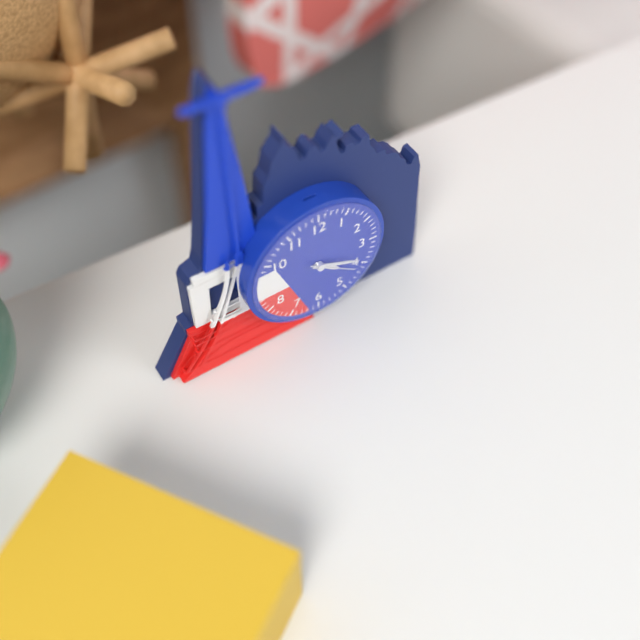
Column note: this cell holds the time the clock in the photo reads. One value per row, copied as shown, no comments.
4:19
